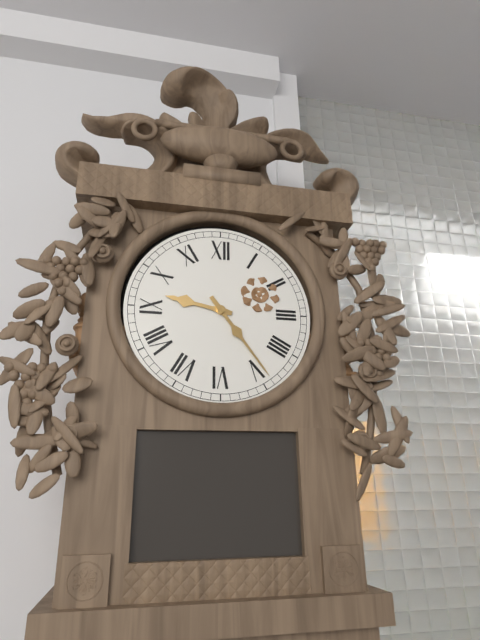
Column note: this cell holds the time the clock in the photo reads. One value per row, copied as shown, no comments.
9:24
